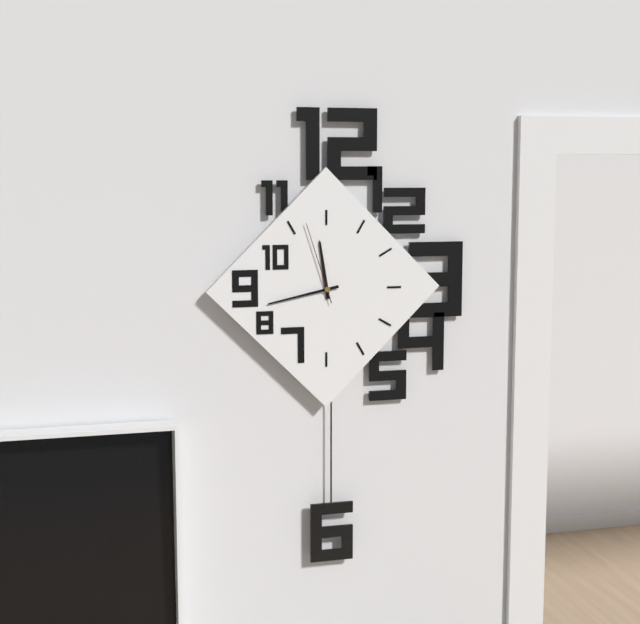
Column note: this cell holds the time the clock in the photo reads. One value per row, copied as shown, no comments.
11:43:57
